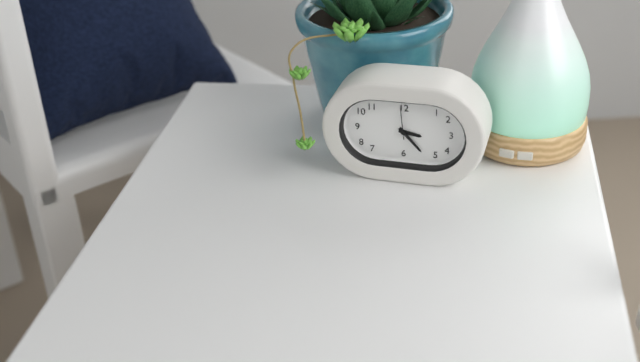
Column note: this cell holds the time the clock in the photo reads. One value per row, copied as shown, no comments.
3:23
